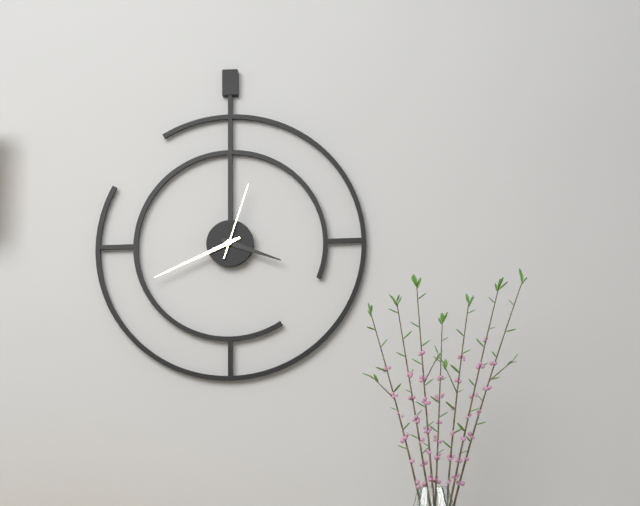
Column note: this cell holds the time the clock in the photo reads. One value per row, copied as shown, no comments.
3:41:03
